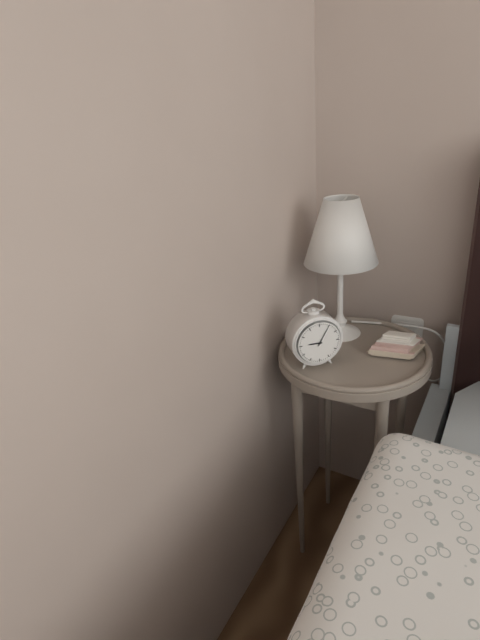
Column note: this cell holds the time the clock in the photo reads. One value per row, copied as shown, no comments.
9:05
